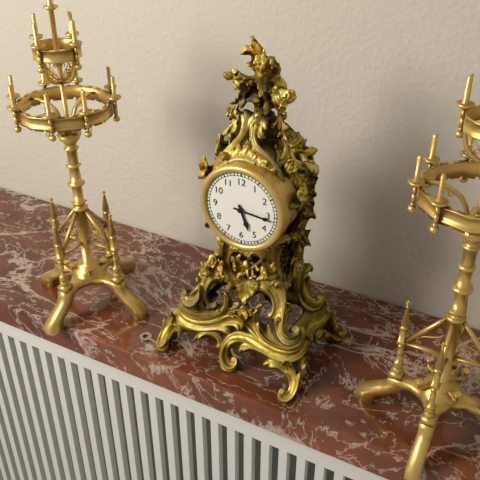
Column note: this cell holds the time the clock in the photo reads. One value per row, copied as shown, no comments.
5:16
